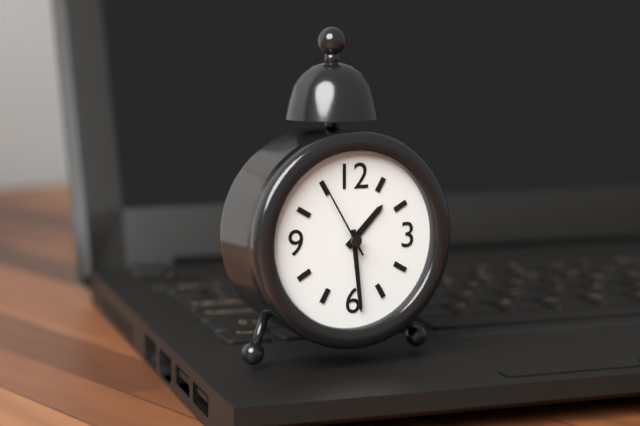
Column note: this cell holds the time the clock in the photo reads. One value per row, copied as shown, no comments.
1:29:55
